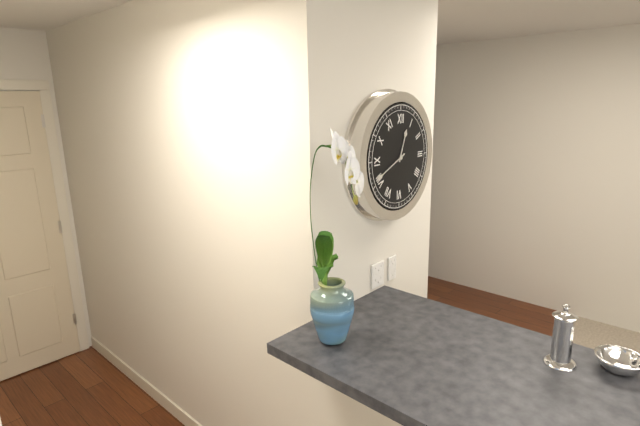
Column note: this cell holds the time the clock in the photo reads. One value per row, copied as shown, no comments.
12:41
